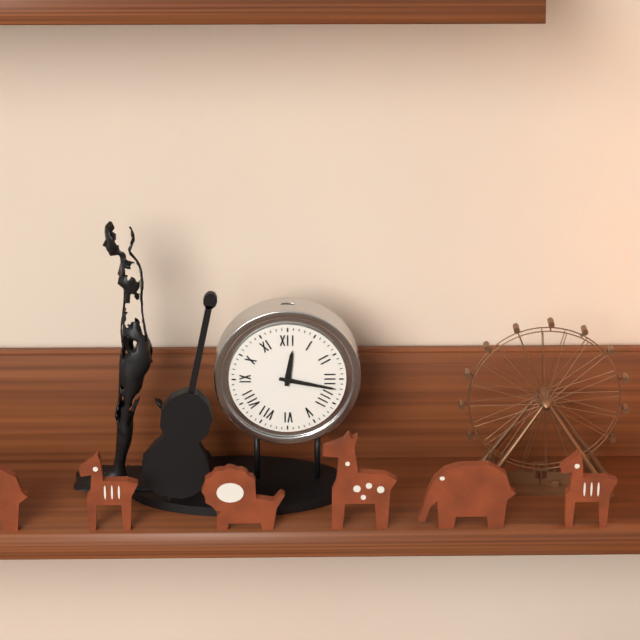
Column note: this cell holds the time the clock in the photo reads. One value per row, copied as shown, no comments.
12:17
